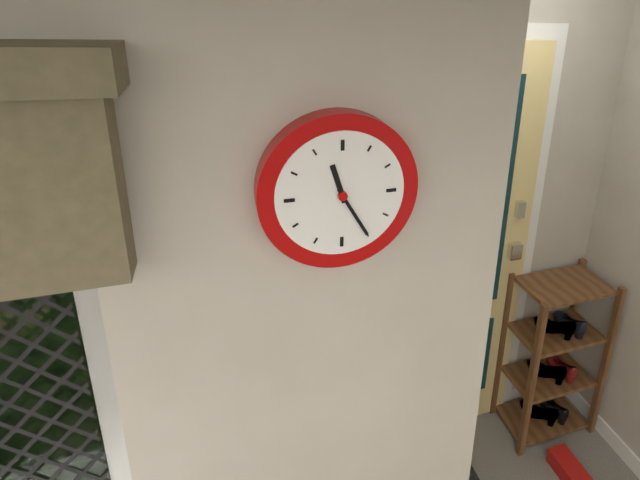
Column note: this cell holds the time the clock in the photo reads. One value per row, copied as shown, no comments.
11:25
